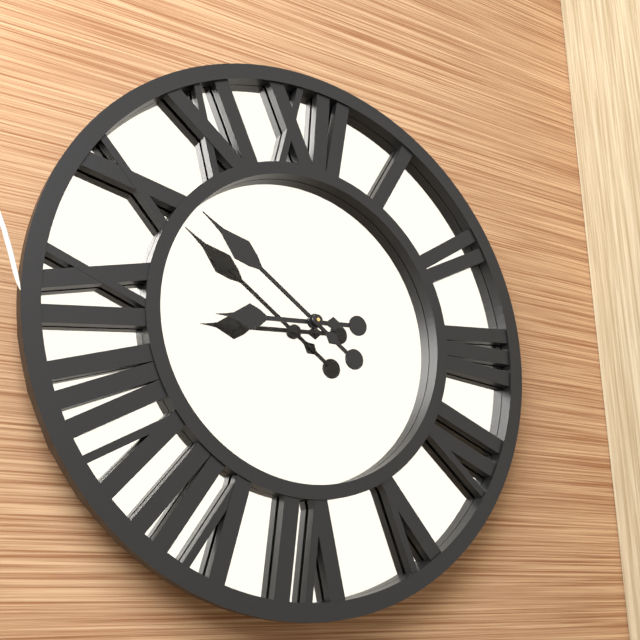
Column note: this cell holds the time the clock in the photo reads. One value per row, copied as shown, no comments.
8:51
